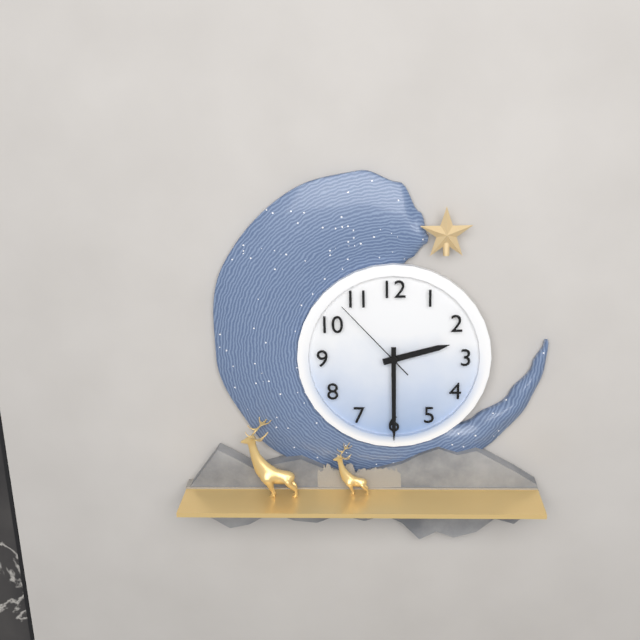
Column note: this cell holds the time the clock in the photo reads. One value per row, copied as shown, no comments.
2:30:53
